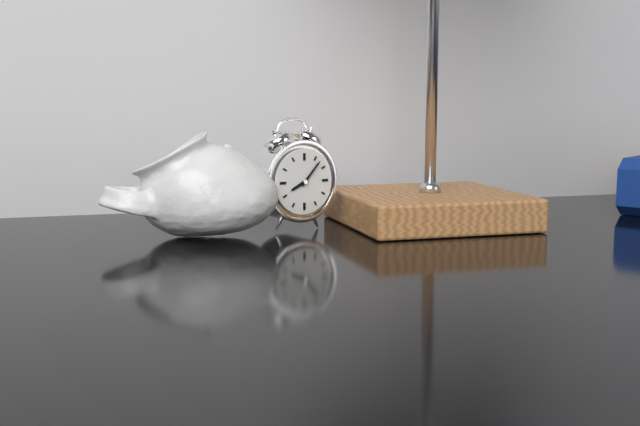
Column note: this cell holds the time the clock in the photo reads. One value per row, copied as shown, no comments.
8:07
